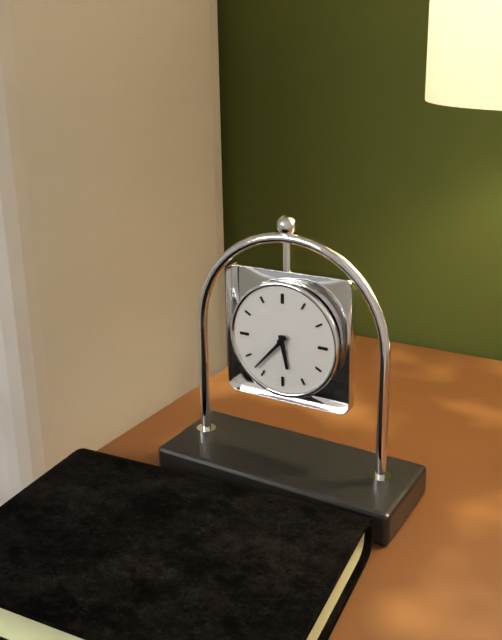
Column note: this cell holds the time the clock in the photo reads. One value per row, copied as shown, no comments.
5:37
